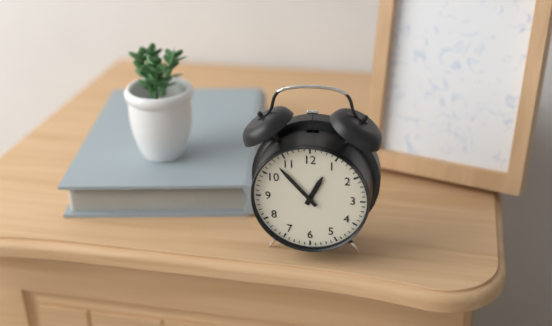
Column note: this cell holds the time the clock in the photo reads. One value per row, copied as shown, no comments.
12:53
